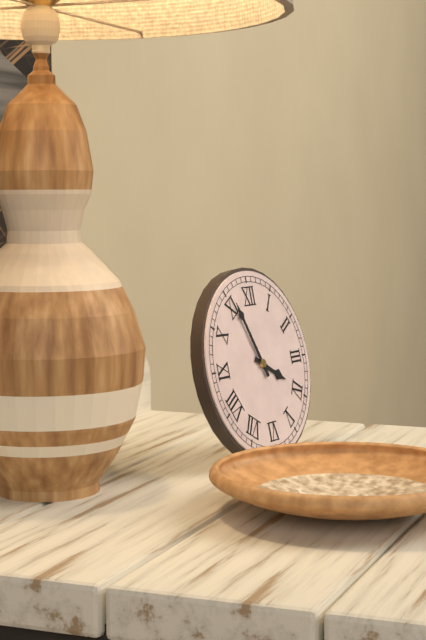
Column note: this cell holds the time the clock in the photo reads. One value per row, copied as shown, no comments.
3:56
